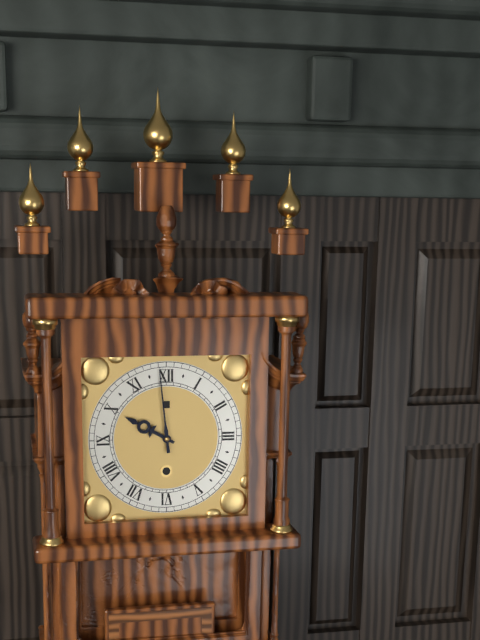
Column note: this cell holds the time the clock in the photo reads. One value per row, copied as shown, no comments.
9:59
